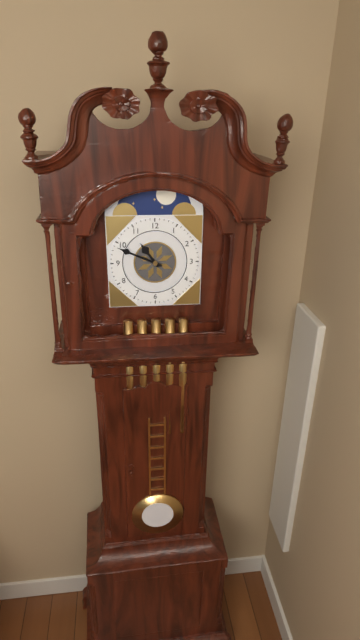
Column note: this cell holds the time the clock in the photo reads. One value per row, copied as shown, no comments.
10:49
